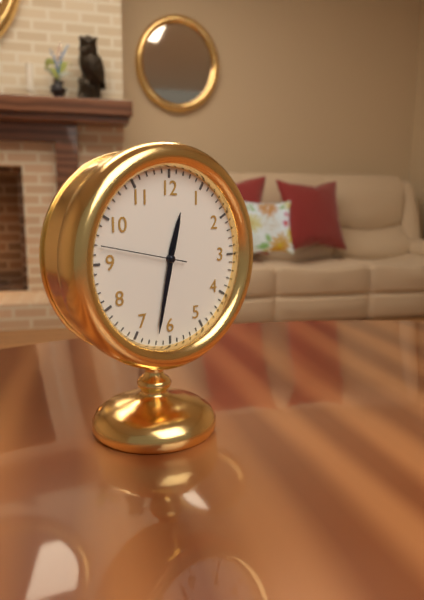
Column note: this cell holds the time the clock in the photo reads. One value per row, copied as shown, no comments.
12:32:47
